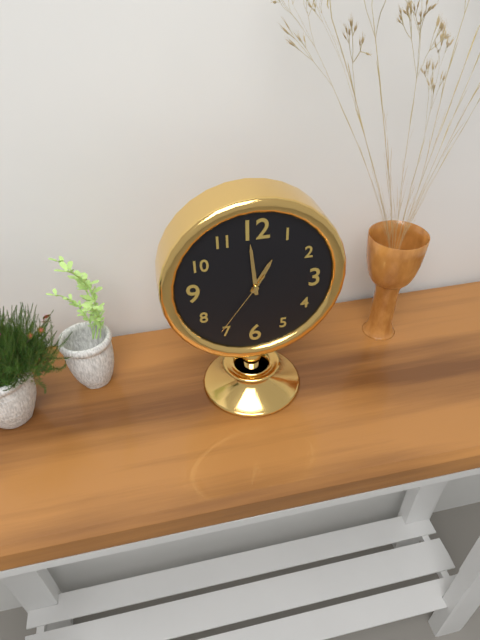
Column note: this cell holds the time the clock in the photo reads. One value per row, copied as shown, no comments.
12:59:36
